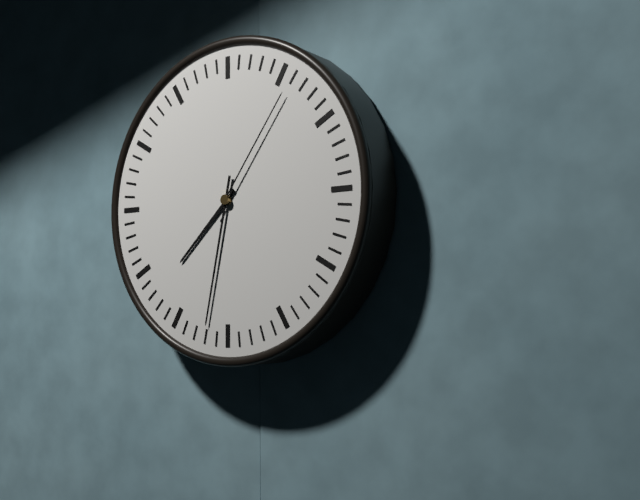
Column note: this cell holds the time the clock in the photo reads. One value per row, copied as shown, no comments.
7:32:06
